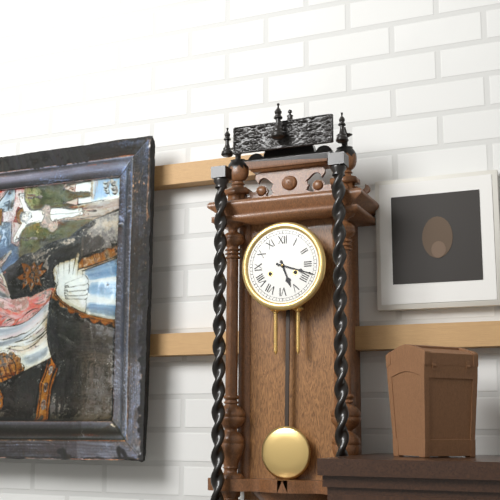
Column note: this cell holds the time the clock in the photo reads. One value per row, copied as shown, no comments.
5:18
